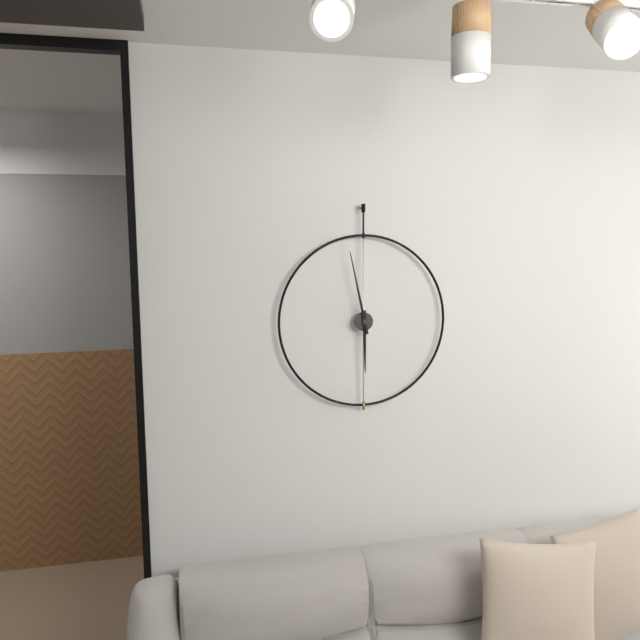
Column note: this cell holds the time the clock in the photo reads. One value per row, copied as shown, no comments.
5:58
